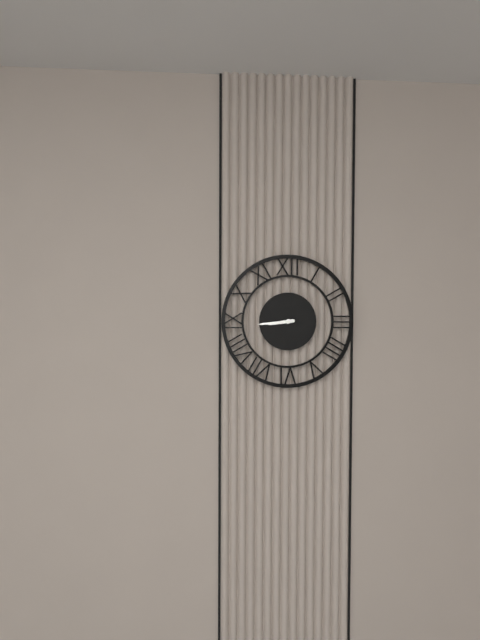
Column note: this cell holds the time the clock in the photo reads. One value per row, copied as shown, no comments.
8:44
